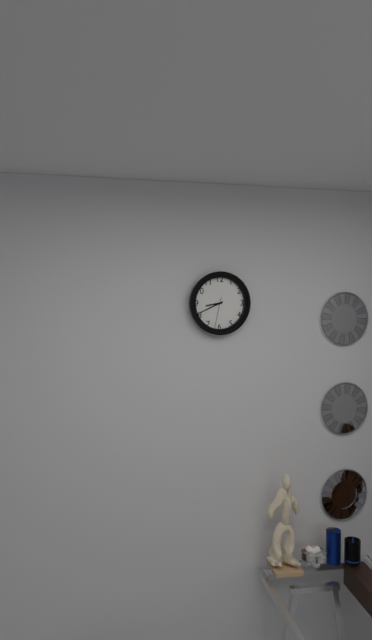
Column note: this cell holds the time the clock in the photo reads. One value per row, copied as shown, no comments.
8:41
